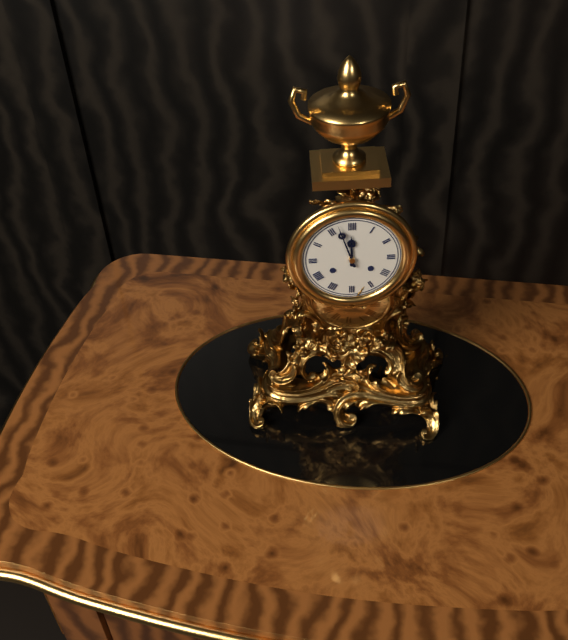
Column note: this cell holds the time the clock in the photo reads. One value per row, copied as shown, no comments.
11:57
